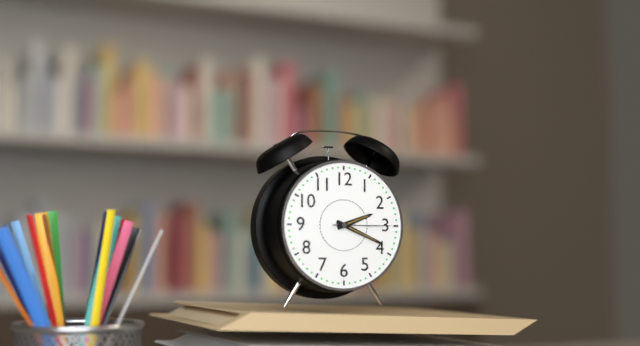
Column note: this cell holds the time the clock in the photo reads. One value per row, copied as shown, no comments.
2:19:15
